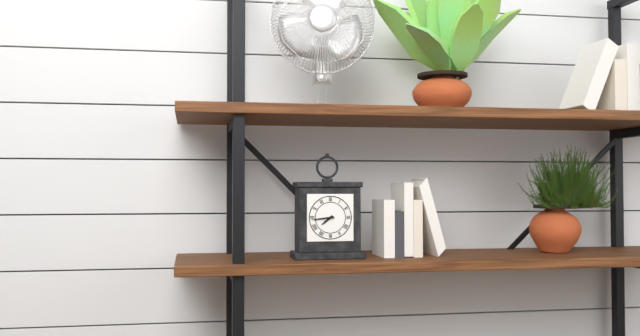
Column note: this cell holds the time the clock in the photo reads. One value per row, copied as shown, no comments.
7:44
